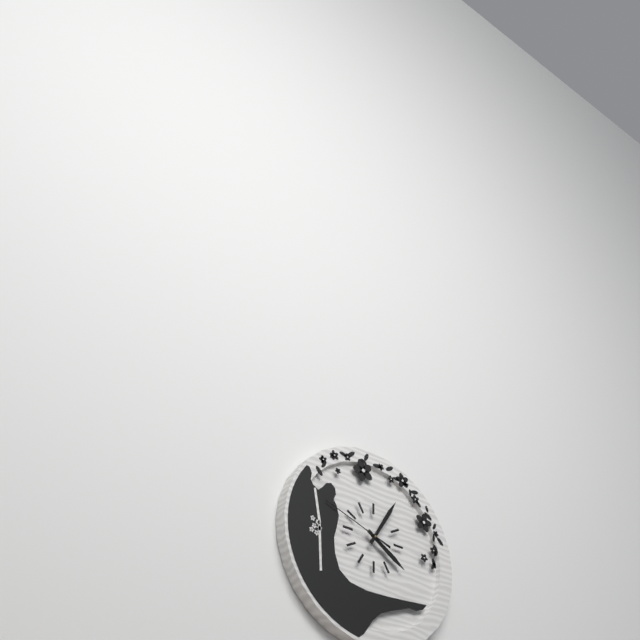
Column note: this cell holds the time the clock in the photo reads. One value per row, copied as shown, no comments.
4:05:48
